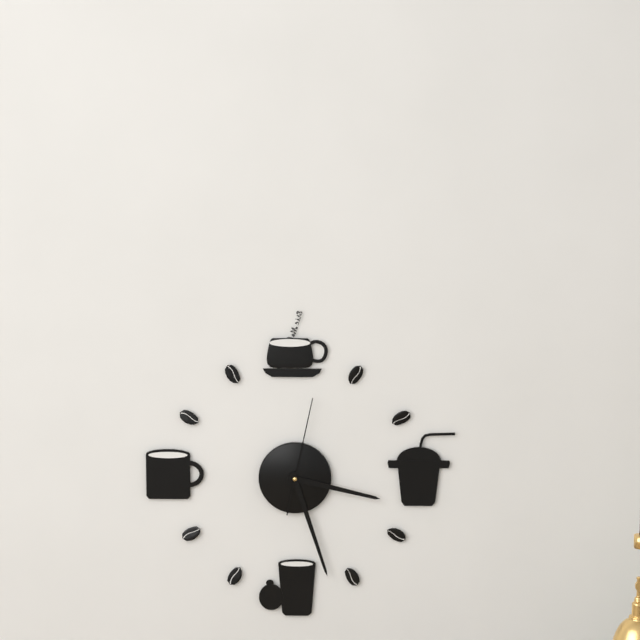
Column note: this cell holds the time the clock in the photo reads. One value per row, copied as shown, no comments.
3:27:02
